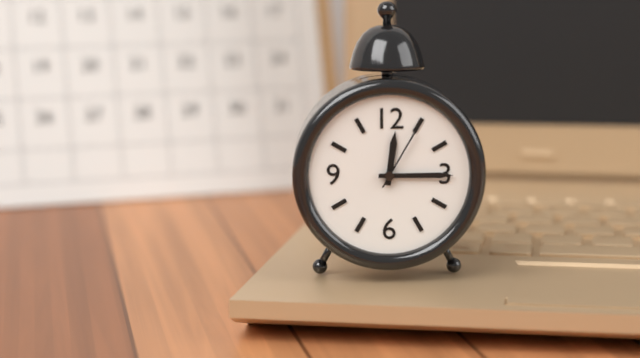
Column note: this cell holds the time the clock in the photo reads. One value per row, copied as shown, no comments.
12:15:05
